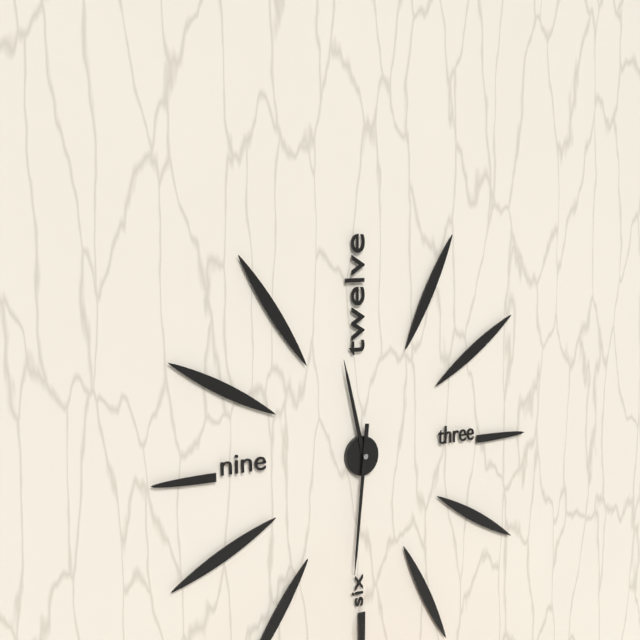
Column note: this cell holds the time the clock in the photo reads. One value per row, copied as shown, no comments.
11:31
